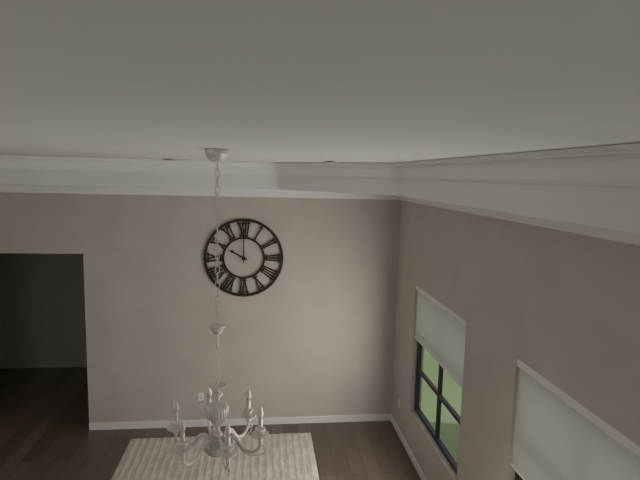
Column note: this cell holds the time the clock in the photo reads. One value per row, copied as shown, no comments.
10:00
